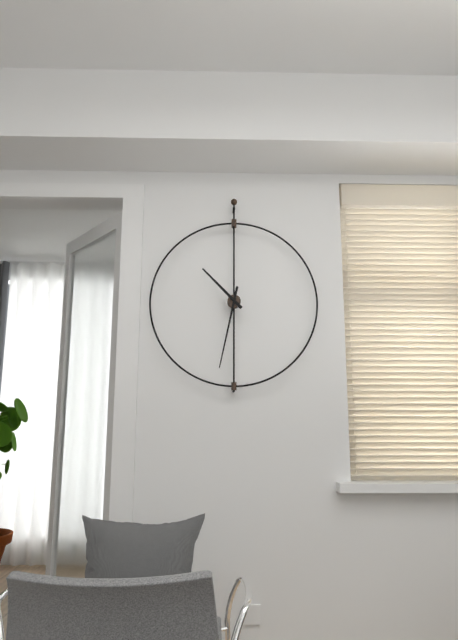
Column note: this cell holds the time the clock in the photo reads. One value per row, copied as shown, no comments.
10:32
